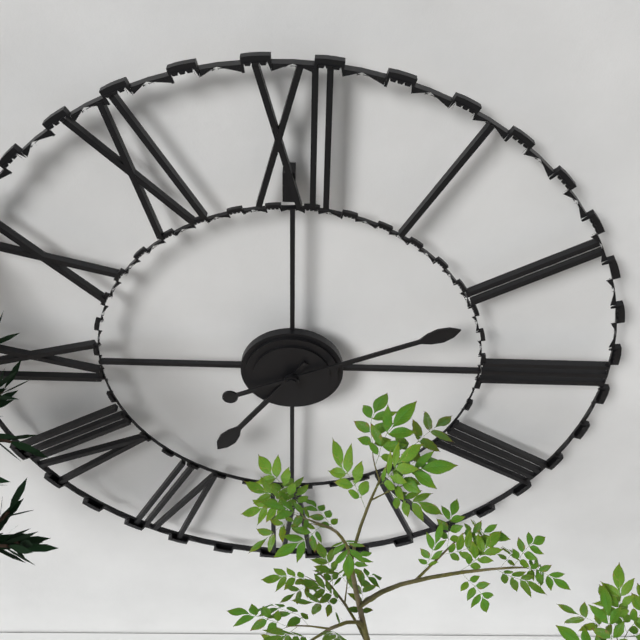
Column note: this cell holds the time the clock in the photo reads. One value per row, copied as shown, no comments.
7:11
